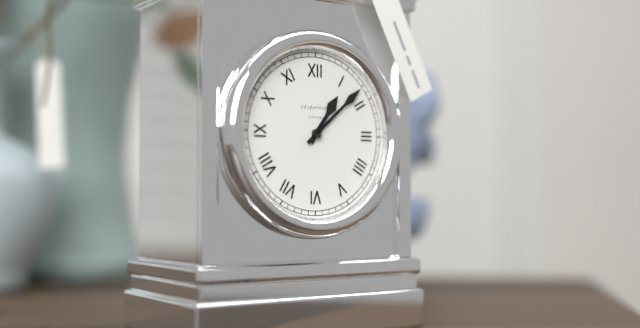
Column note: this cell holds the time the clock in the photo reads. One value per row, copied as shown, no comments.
1:08
